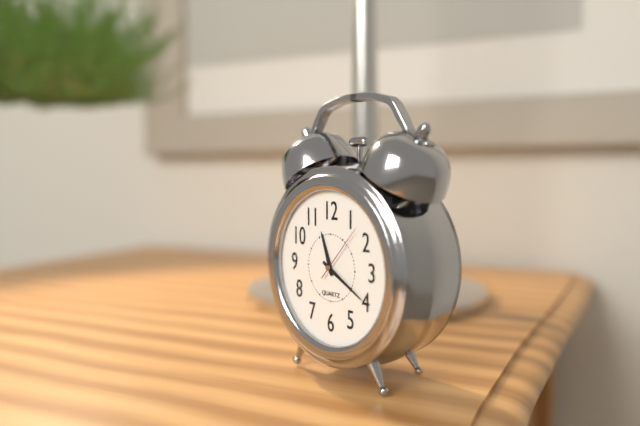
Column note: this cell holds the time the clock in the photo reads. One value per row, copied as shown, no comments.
11:20:07
